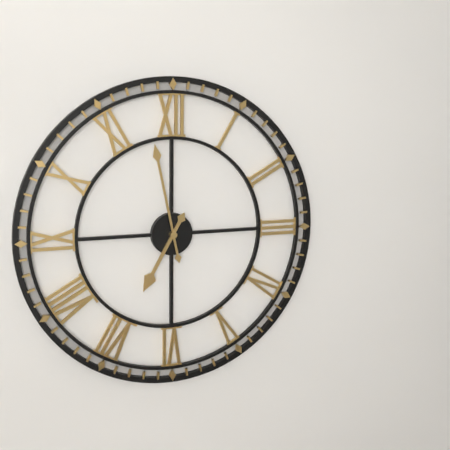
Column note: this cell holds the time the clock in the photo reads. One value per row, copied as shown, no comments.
6:58
